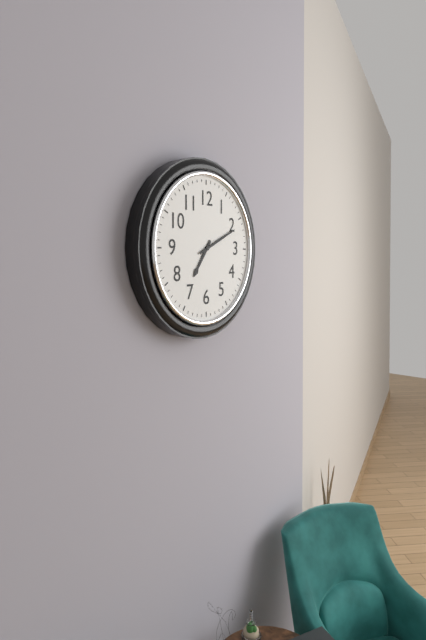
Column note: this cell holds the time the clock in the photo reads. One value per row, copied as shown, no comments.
7:11
